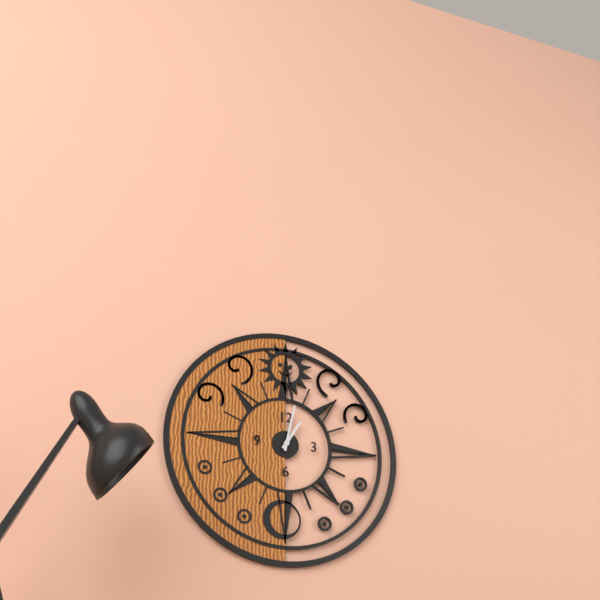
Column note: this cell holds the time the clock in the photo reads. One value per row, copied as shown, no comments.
1:02
